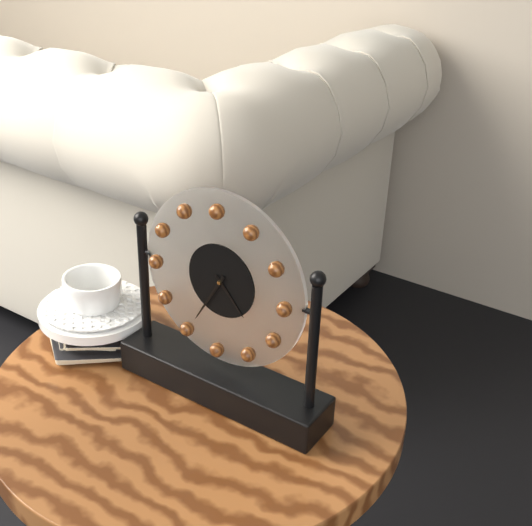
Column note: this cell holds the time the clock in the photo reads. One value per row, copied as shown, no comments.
4:35
